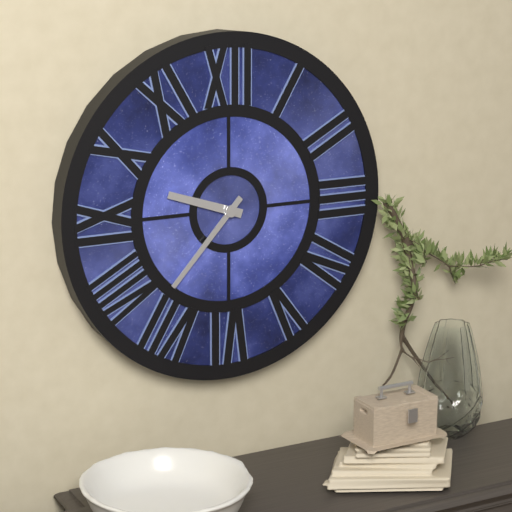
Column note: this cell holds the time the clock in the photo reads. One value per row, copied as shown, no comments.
9:37
